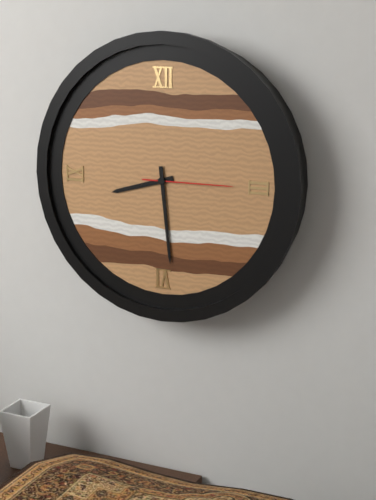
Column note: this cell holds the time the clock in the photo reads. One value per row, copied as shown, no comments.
8:29:15
